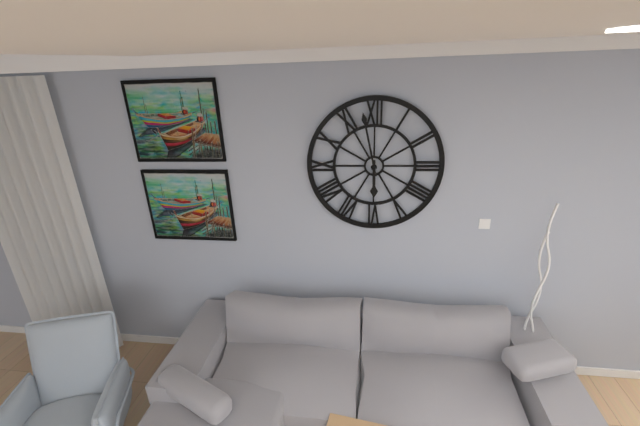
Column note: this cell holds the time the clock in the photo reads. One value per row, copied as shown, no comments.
5:58
